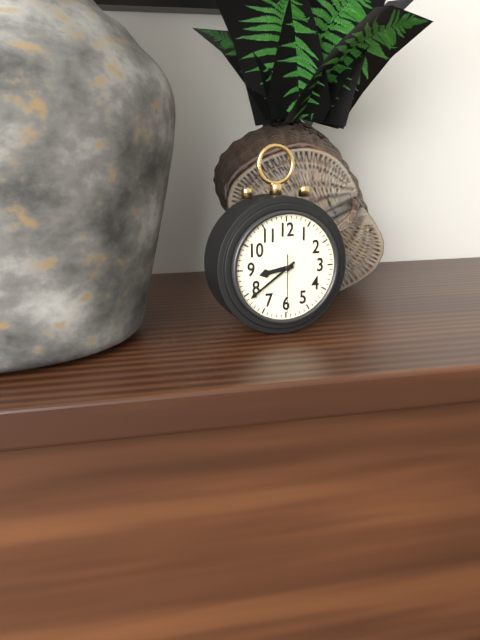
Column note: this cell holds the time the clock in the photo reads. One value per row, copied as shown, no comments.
8:39:30
